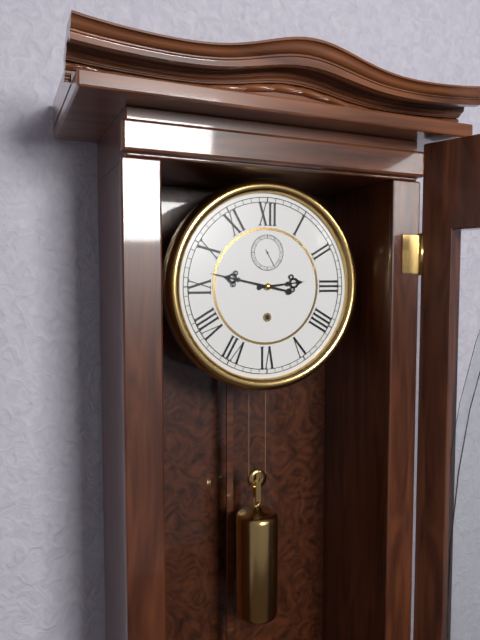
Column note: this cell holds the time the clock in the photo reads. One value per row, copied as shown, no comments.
2:47
